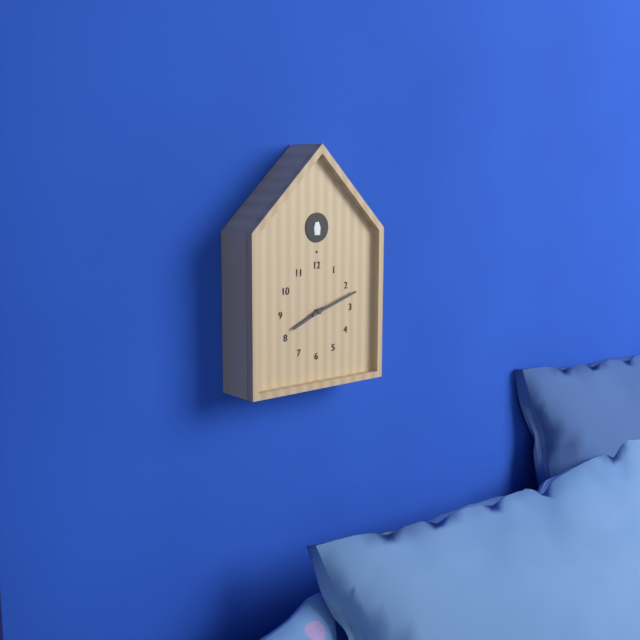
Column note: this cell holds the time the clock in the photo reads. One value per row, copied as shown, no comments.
8:12
